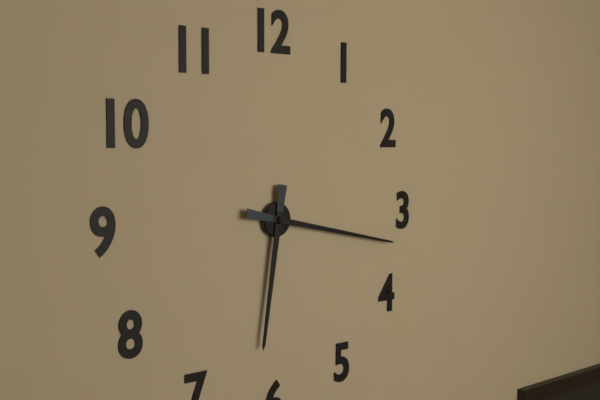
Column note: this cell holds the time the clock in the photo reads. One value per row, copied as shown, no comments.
6:17
